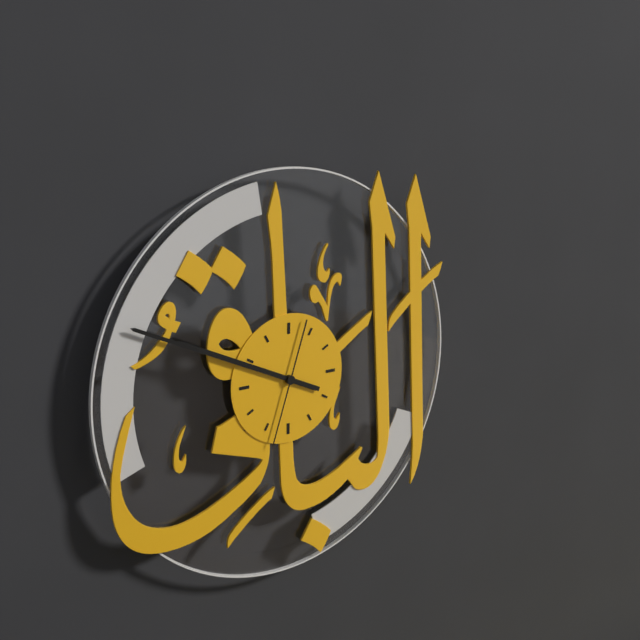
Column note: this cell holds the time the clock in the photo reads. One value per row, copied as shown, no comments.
9:49:33
